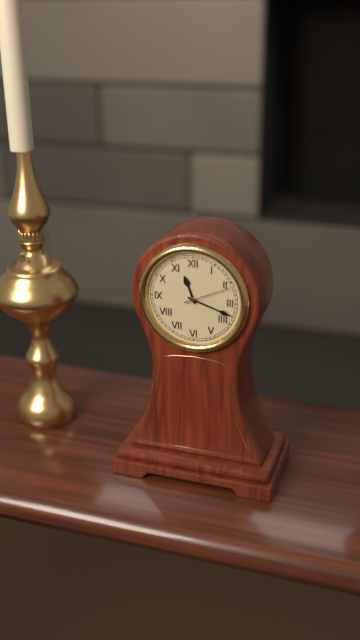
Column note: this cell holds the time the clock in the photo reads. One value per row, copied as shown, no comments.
11:18
